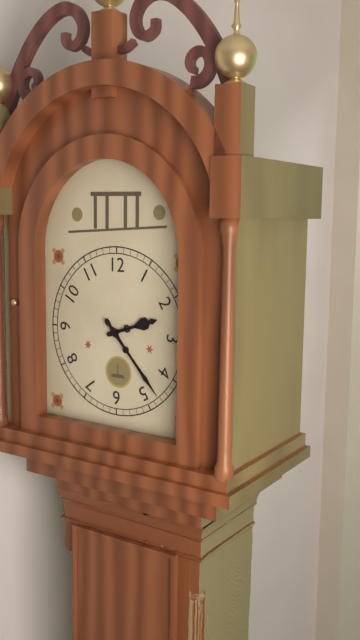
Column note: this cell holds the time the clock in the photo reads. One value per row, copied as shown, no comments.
2:23
